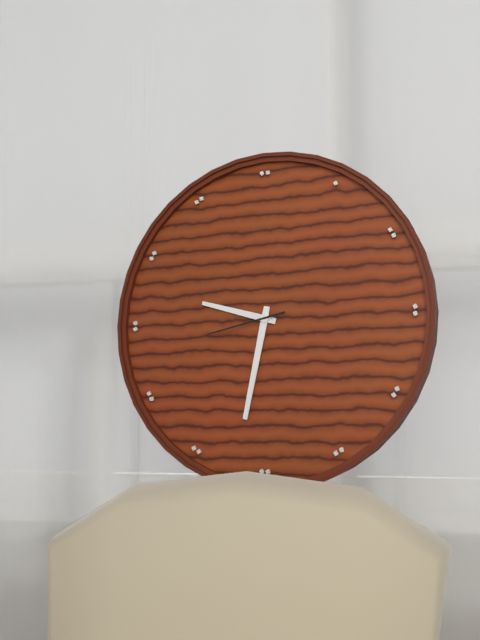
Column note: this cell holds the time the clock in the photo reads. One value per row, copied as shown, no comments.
9:32:43
